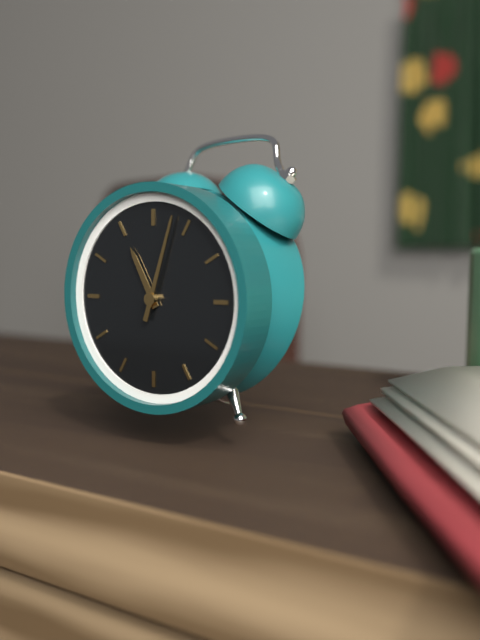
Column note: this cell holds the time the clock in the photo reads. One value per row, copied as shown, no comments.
11:03
